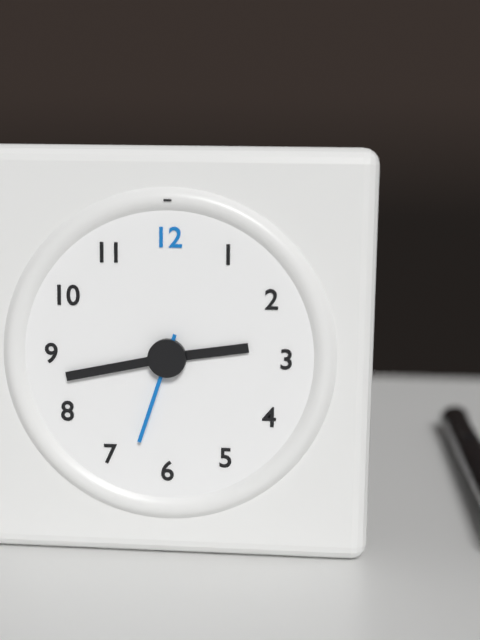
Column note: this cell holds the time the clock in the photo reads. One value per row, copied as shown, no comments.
2:43:33
